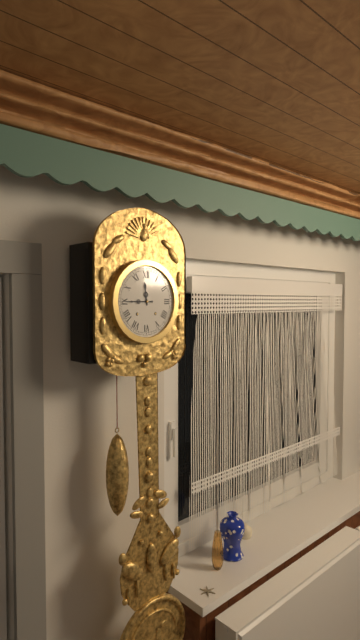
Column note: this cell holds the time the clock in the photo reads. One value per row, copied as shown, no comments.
11:45
